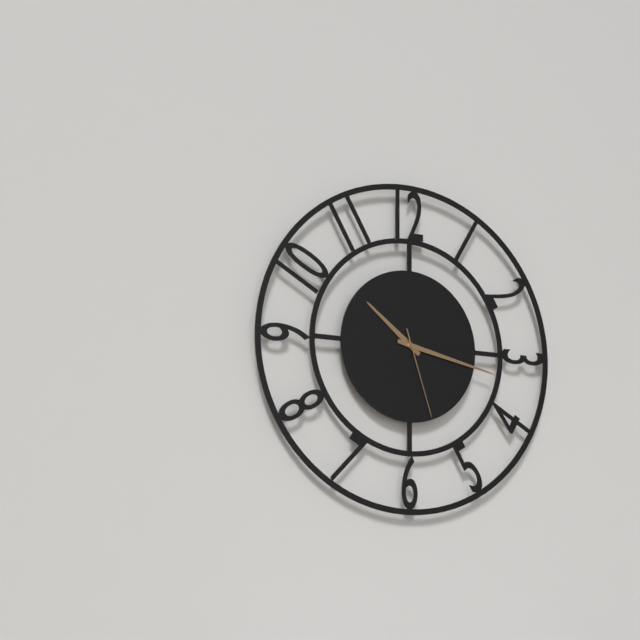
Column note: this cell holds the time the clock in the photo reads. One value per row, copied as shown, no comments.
10:17:27
